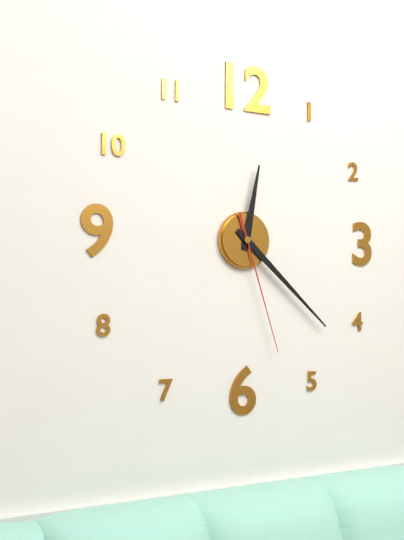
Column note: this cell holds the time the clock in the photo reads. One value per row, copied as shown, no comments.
12:22:27
